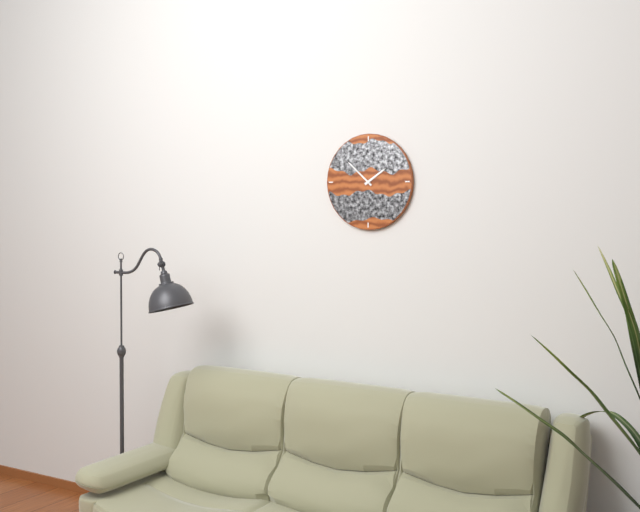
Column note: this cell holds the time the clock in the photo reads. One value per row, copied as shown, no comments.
1:52
